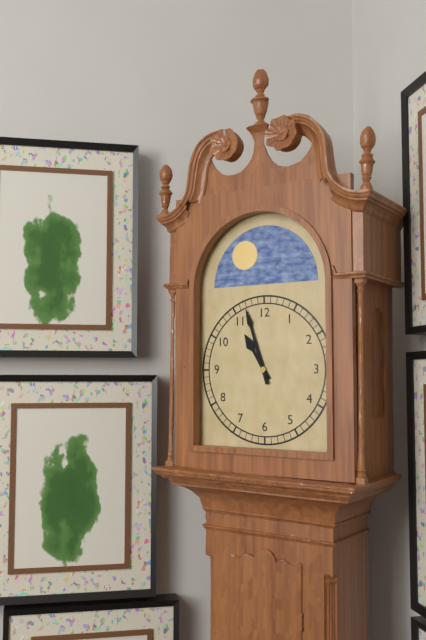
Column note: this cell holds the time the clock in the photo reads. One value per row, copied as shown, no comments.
10:57
